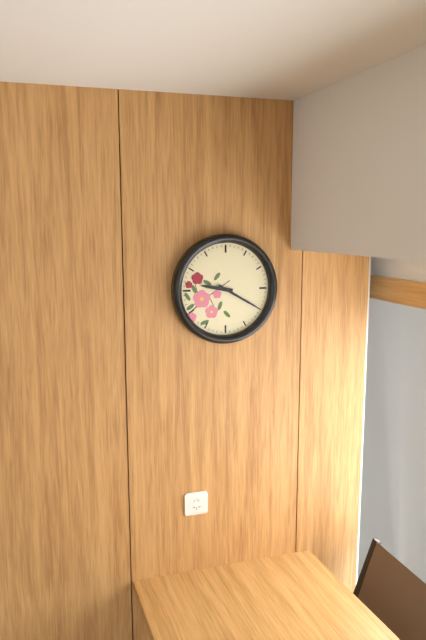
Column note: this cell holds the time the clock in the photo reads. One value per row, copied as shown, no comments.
9:20
